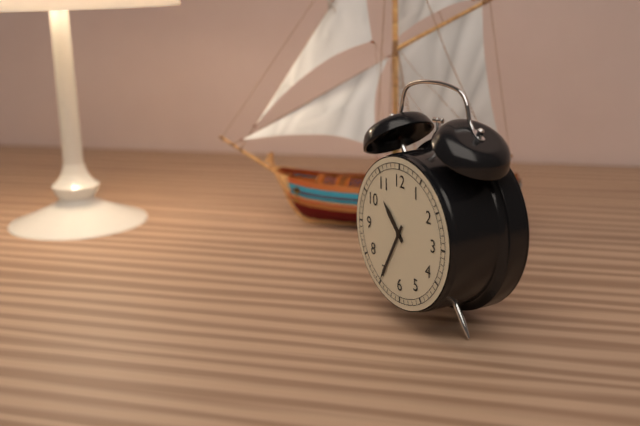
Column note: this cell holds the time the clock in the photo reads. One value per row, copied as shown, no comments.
10:35
